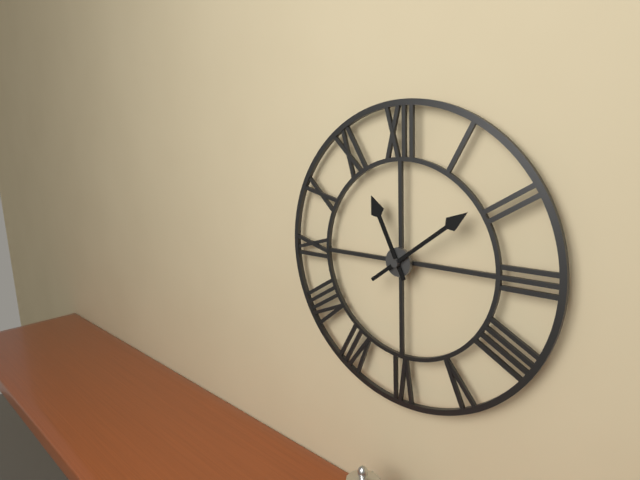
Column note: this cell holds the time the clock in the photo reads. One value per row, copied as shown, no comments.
11:09
